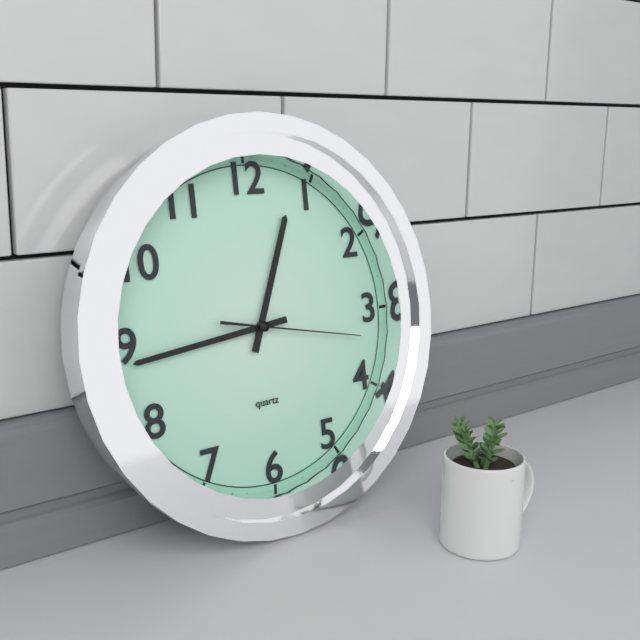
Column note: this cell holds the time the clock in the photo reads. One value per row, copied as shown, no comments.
12:44:17
